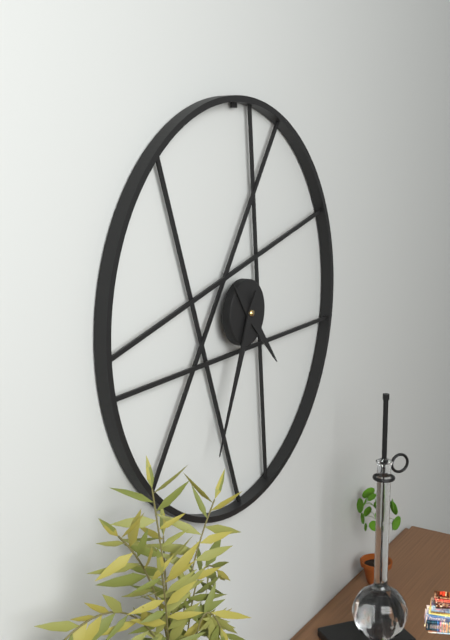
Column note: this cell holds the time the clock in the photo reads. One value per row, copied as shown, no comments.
4:34
